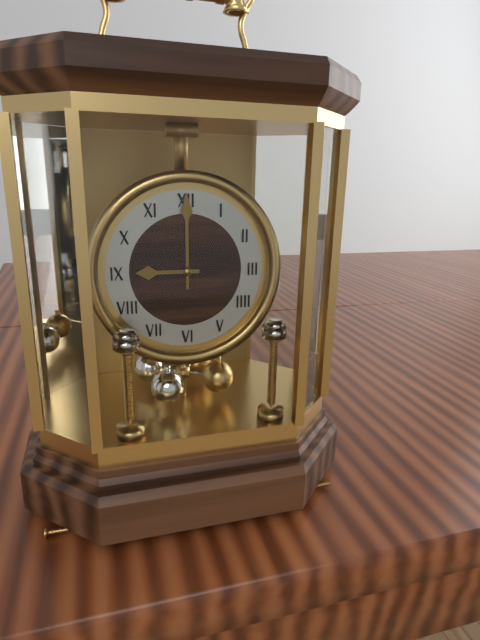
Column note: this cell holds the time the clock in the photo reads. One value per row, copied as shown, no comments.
9:00
